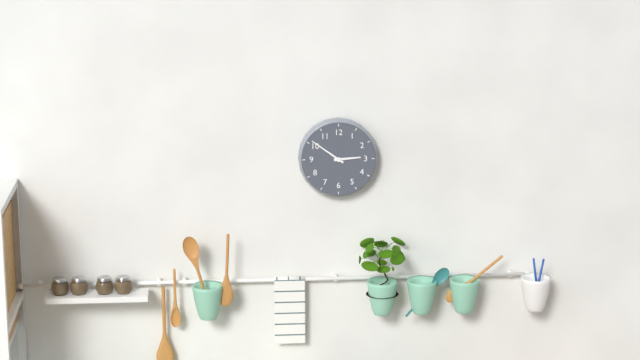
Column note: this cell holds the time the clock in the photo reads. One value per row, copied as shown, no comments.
2:51
